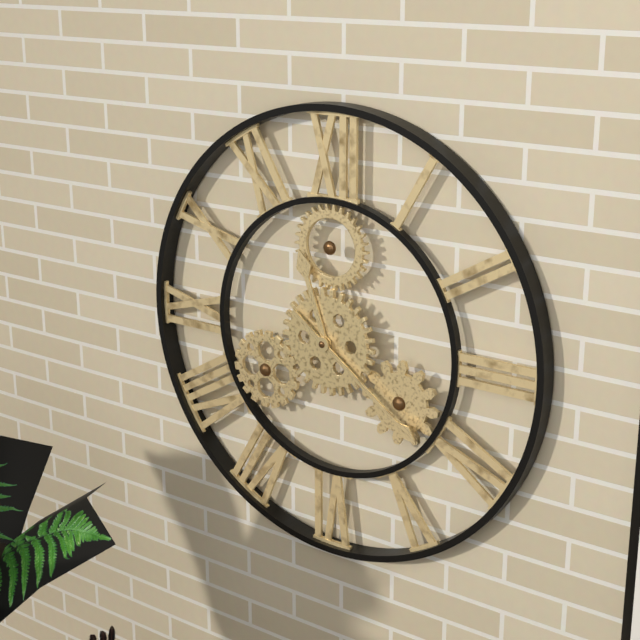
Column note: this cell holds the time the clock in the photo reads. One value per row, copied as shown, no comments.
11:21
